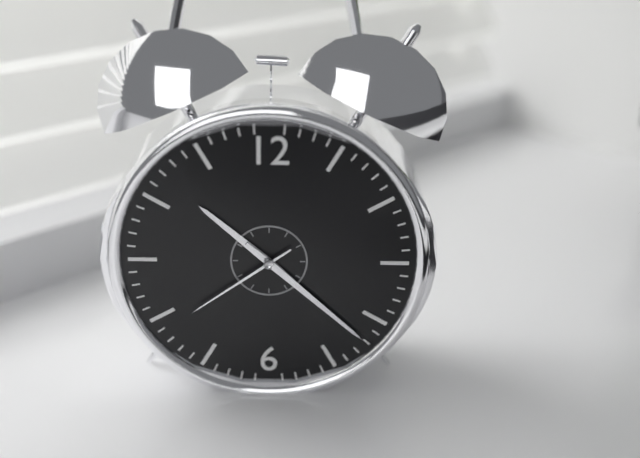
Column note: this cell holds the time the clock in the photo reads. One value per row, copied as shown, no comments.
10:22:39
